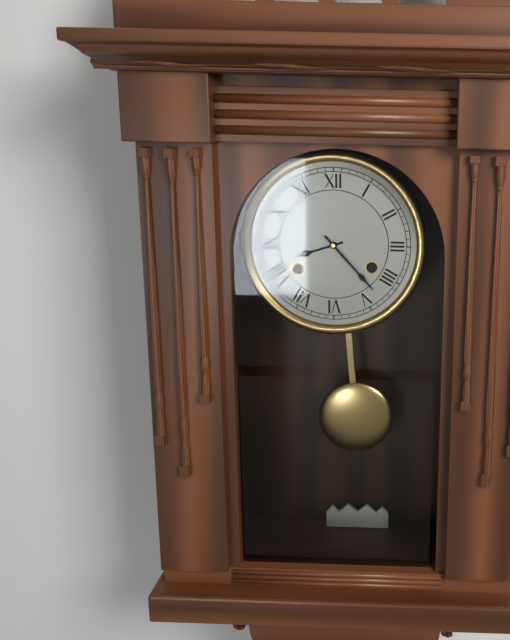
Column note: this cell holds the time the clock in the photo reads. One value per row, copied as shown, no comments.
8:23
